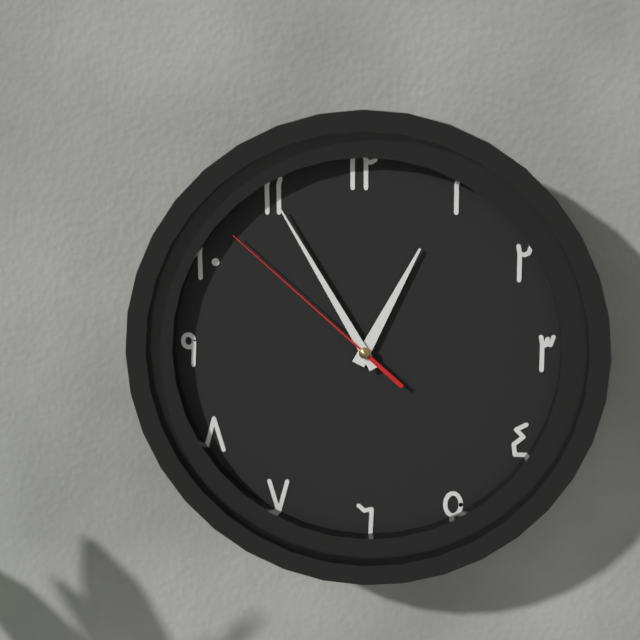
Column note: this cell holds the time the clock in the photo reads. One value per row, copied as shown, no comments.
12:55:52
